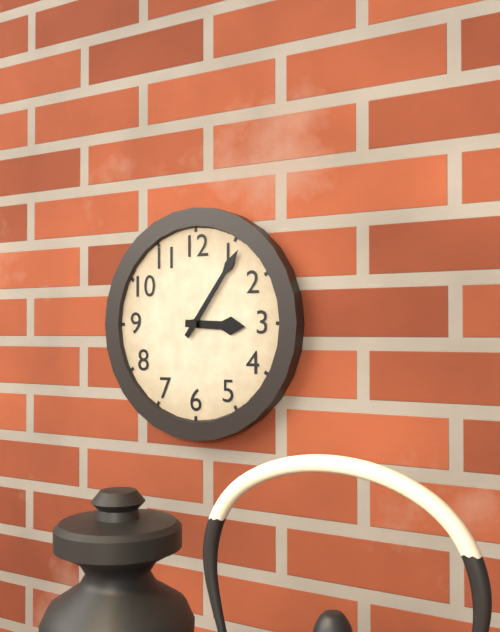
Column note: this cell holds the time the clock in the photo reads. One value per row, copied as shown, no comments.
3:06
